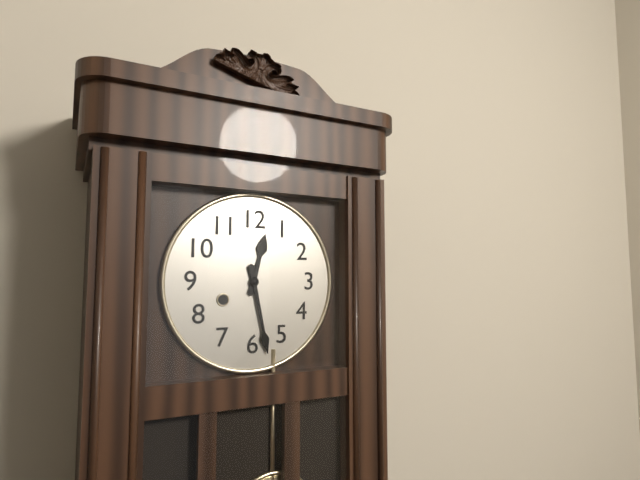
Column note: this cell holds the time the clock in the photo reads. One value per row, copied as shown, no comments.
12:28
